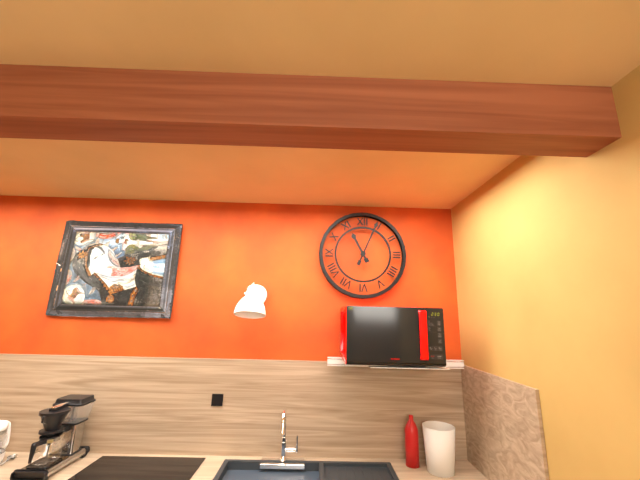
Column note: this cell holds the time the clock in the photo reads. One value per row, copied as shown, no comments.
11:04
